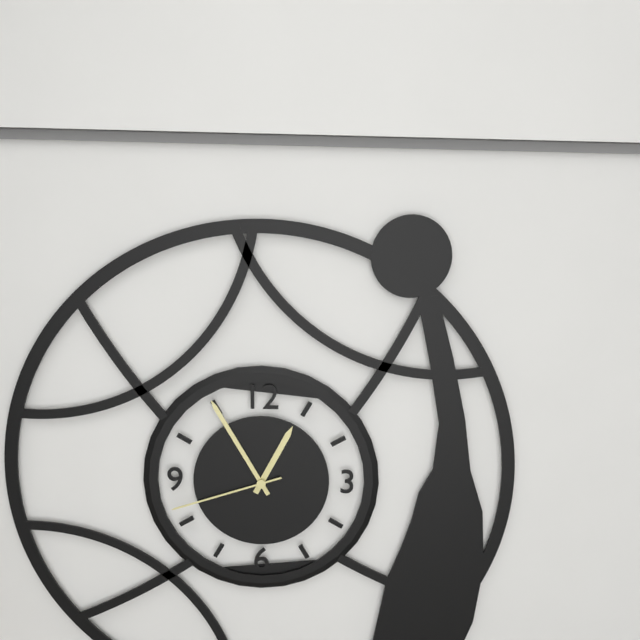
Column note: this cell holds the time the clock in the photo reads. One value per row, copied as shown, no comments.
12:55:42
